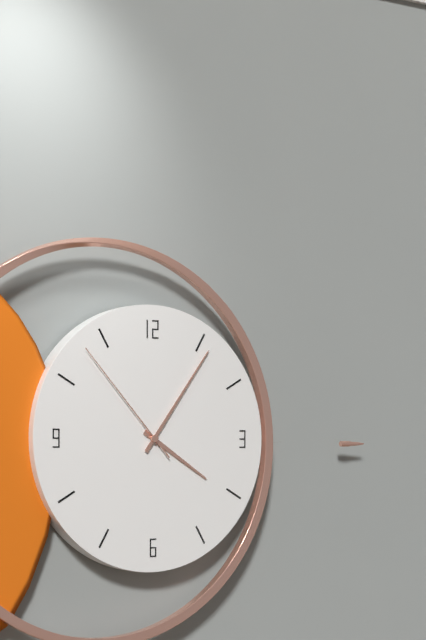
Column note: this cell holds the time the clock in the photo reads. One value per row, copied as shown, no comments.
4:06:53
